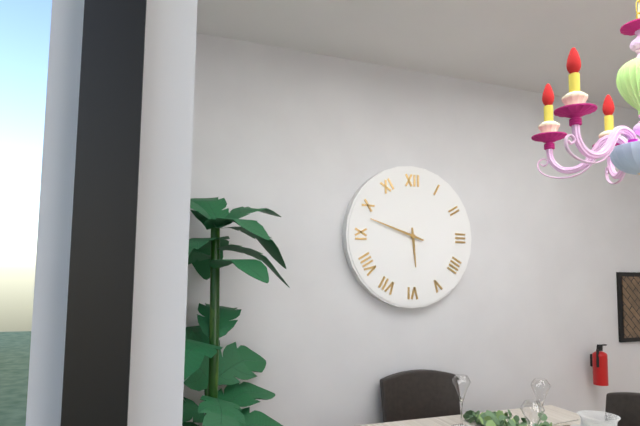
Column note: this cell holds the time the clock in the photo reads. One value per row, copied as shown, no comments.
5:48
